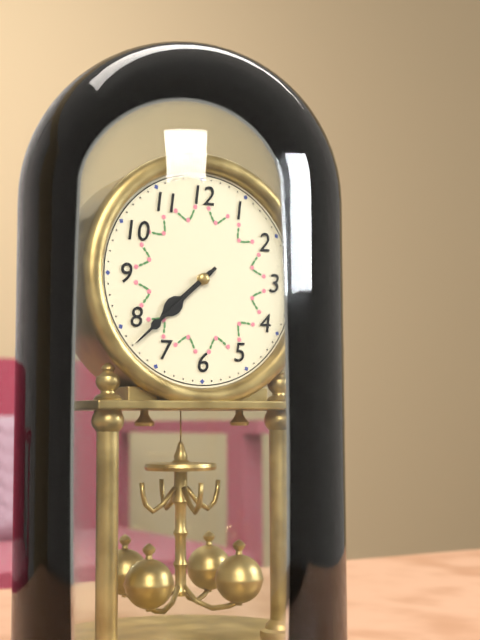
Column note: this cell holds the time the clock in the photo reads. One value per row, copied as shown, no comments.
7:38
